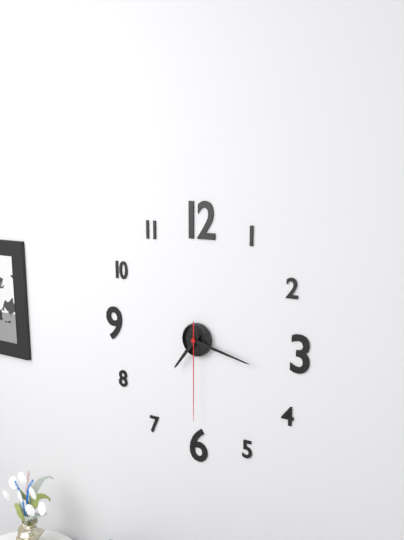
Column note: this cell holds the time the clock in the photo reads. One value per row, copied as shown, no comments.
7:17:30
